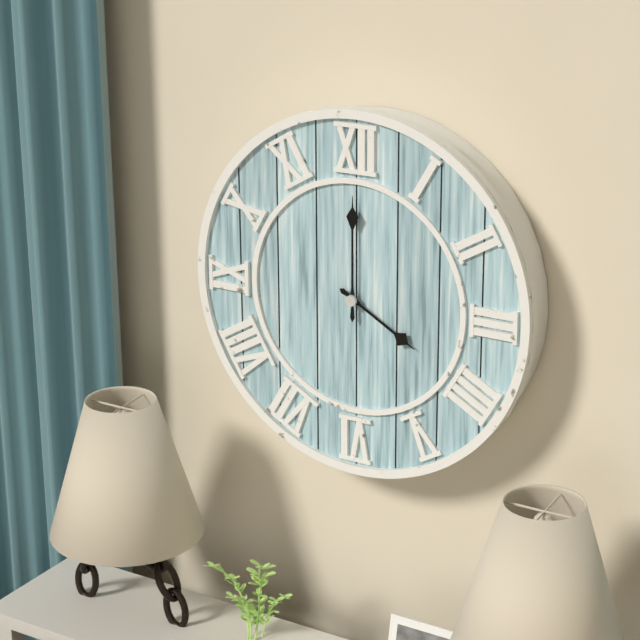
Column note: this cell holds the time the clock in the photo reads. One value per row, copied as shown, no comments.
4:00
